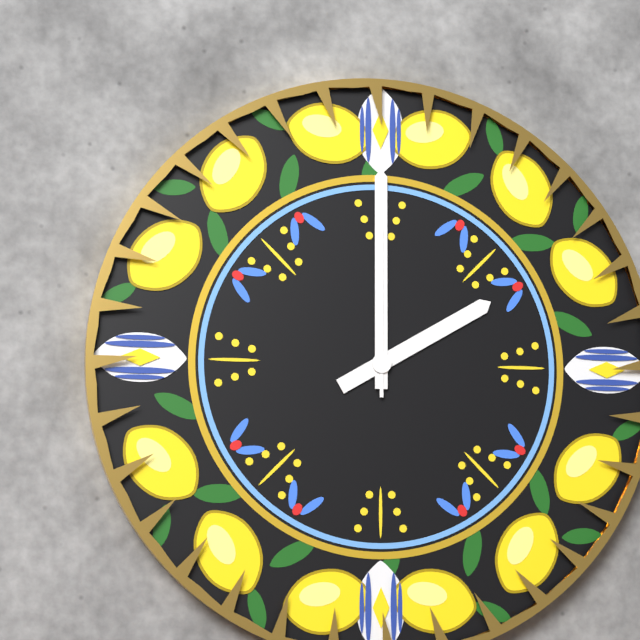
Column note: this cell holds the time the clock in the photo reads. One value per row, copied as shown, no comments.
2:00:00
